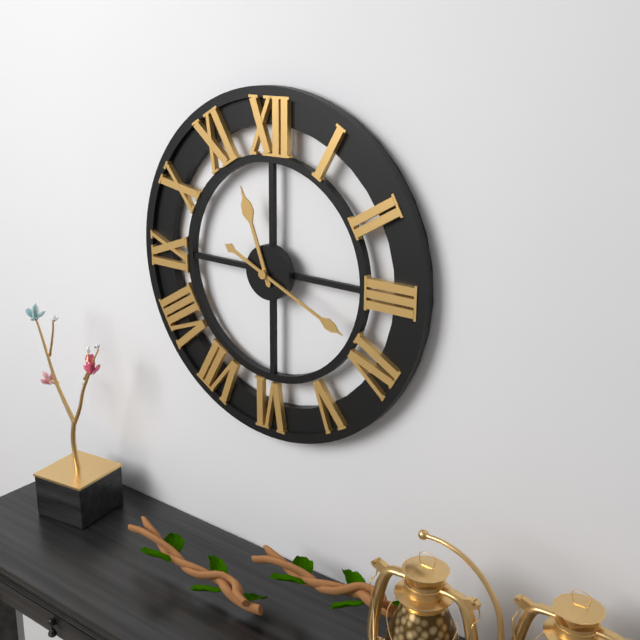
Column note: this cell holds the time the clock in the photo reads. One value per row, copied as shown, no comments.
11:19
